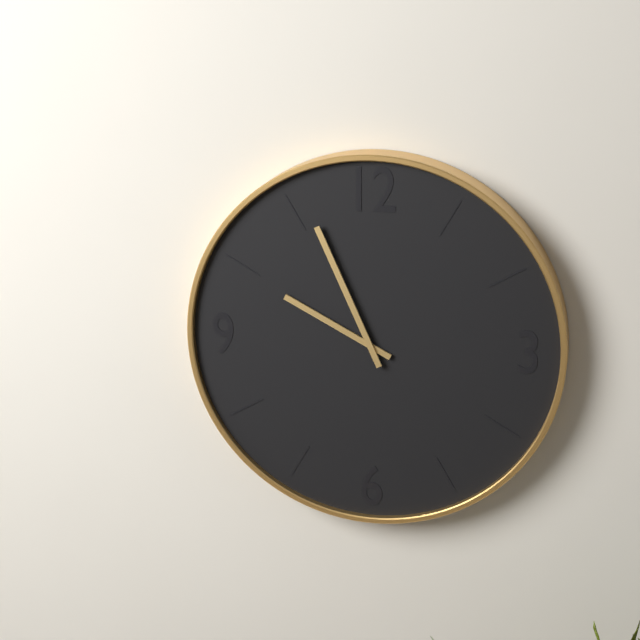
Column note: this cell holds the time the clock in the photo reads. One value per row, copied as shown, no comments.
9:56
